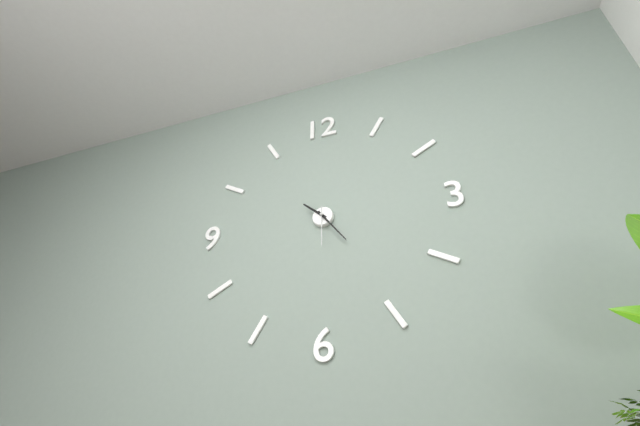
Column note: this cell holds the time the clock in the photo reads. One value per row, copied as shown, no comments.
10:24
